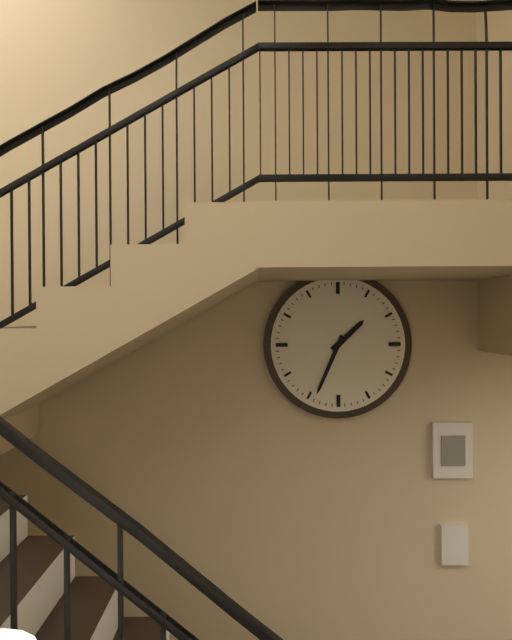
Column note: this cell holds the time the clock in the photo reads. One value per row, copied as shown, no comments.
1:34
